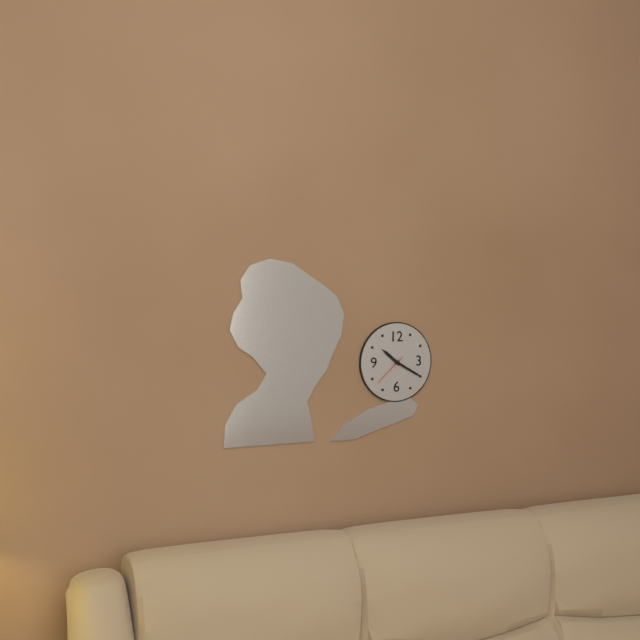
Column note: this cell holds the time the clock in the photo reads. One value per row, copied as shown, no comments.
10:20
